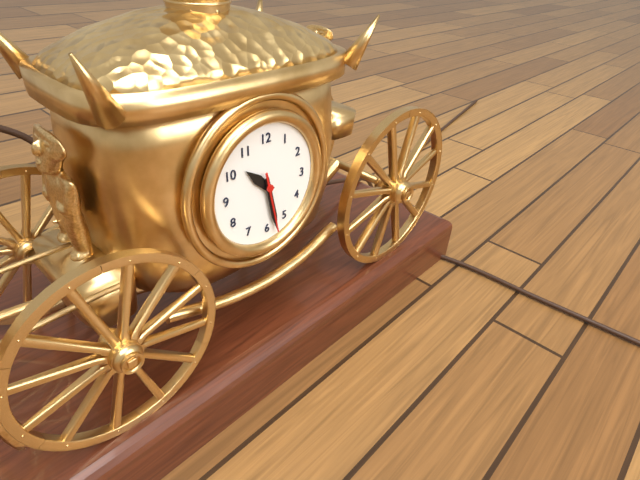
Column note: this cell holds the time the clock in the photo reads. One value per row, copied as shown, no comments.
10:28:28
